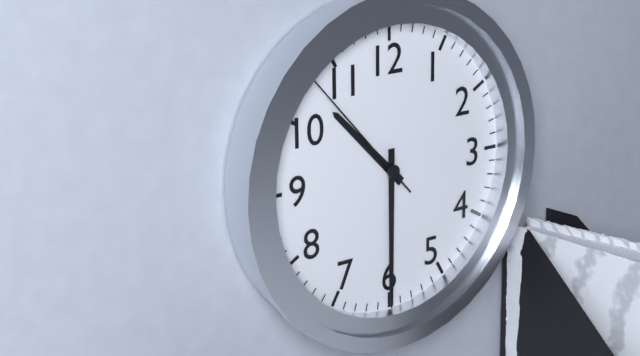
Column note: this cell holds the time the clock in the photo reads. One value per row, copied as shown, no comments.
10:30:53
